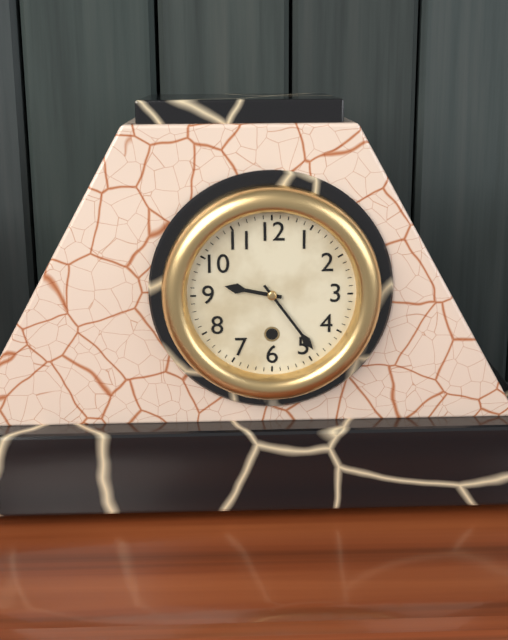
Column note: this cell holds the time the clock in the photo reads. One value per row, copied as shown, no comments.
9:24
